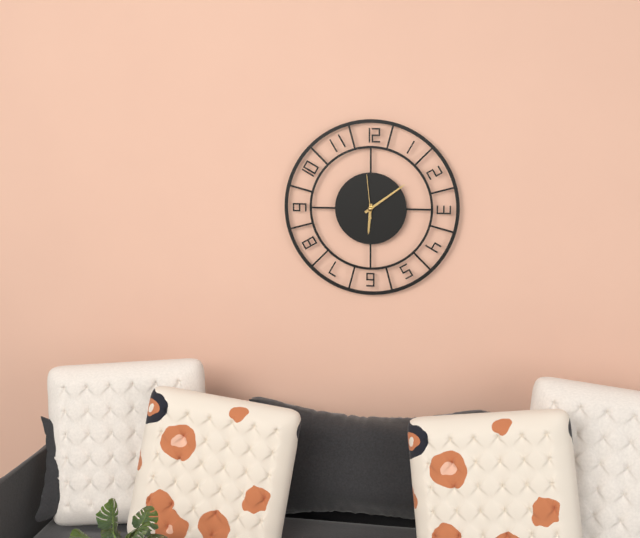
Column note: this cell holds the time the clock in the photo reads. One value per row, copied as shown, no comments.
6:09
